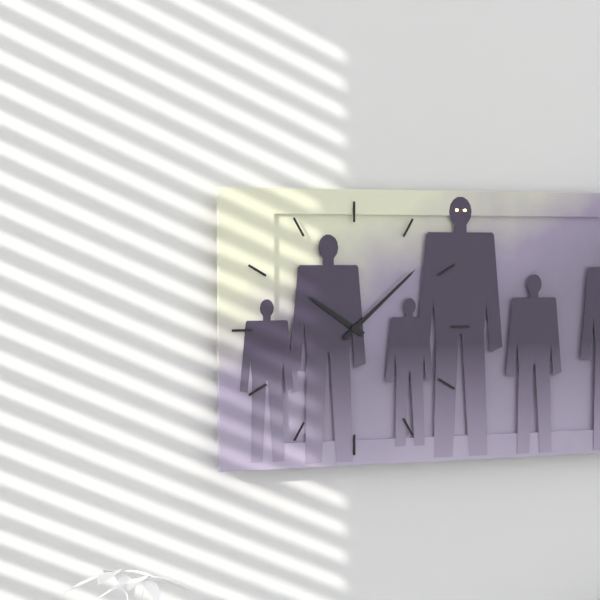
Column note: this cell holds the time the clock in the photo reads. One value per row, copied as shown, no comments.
10:08
